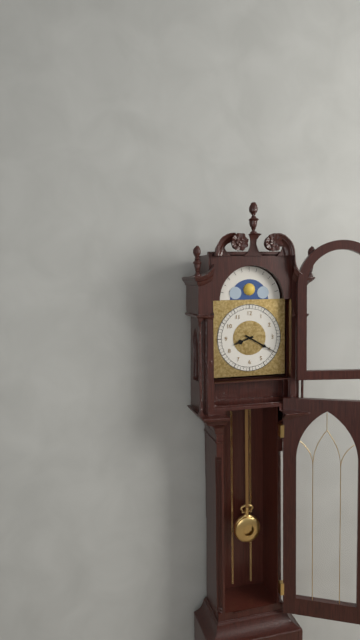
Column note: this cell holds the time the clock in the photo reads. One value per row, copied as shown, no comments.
8:20
